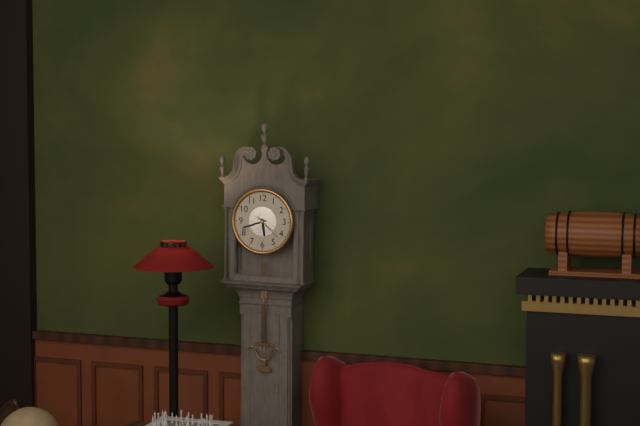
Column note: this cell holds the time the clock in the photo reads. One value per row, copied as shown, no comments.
5:42
